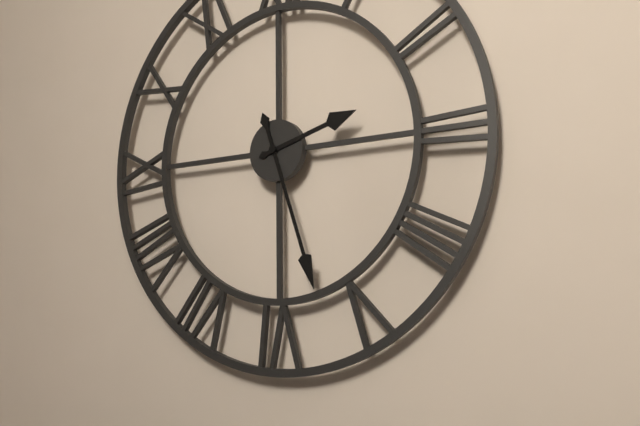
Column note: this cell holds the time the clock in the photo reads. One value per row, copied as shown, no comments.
2:27
